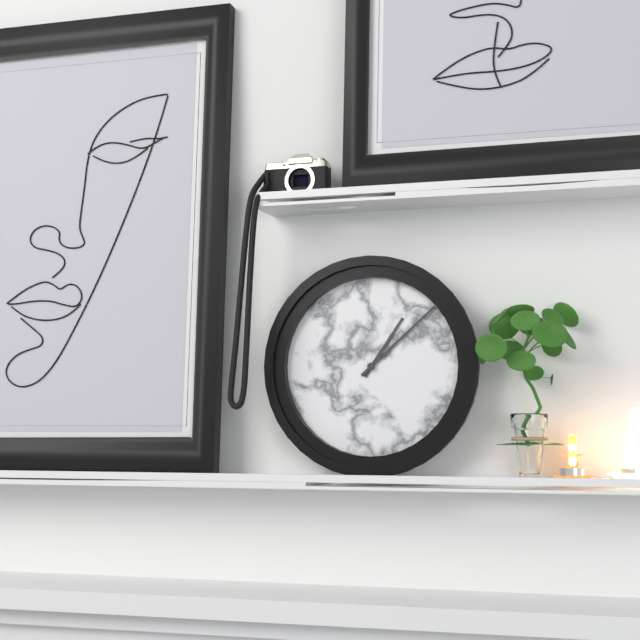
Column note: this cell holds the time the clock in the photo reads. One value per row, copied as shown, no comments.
1:08
